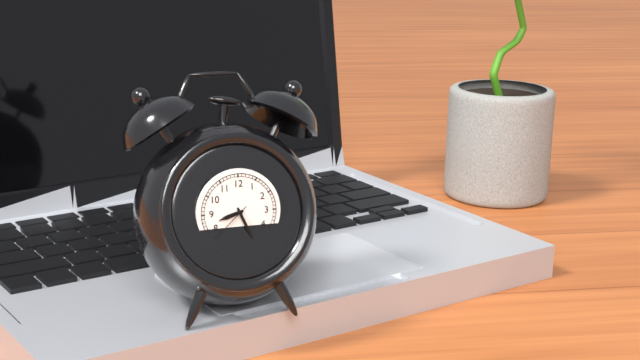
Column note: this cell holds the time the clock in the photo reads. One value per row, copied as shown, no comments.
8:26
